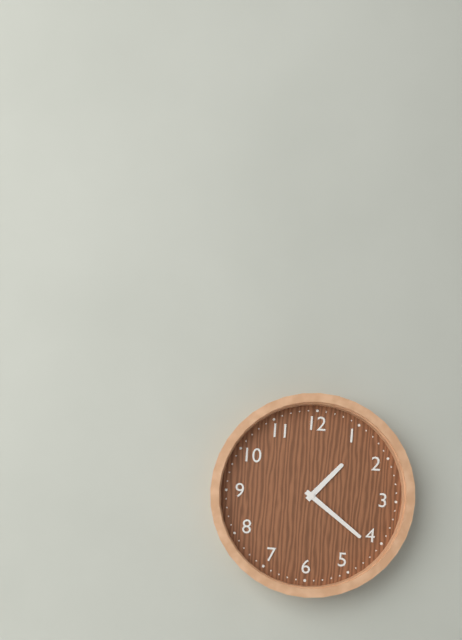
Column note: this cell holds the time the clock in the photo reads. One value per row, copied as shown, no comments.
1:21
